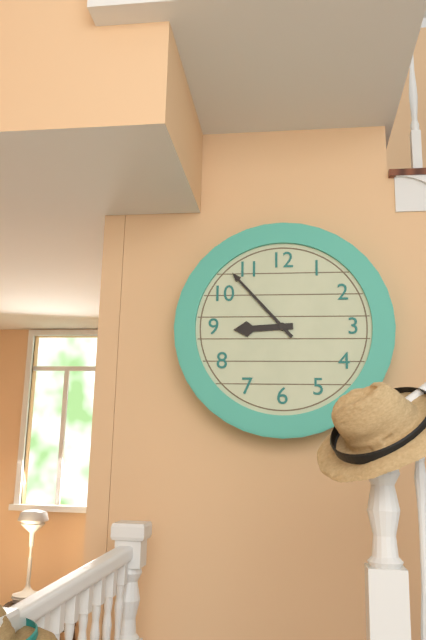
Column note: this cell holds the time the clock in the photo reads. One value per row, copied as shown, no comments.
8:53
